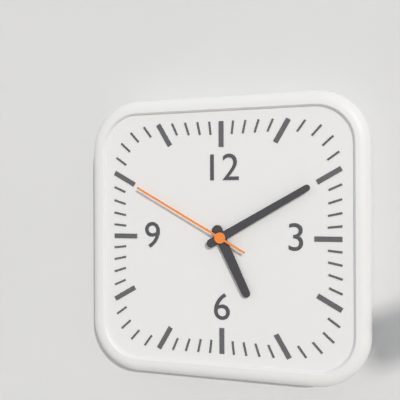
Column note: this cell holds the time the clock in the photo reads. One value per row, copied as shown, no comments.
5:10:50
